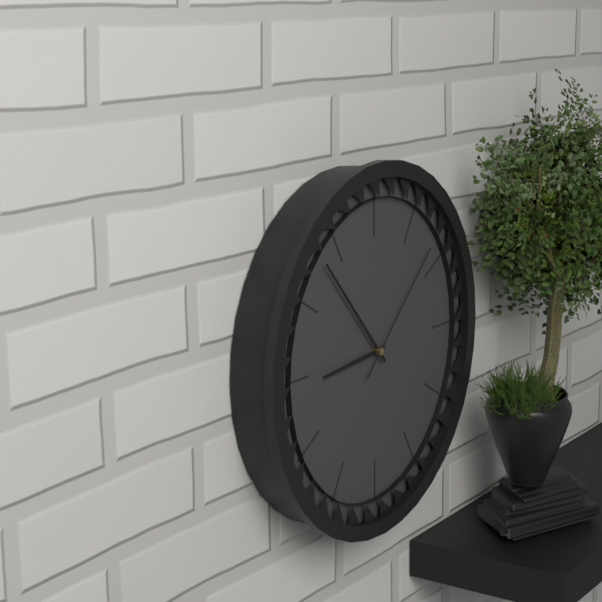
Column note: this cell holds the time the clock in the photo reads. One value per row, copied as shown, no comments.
8:53:08
